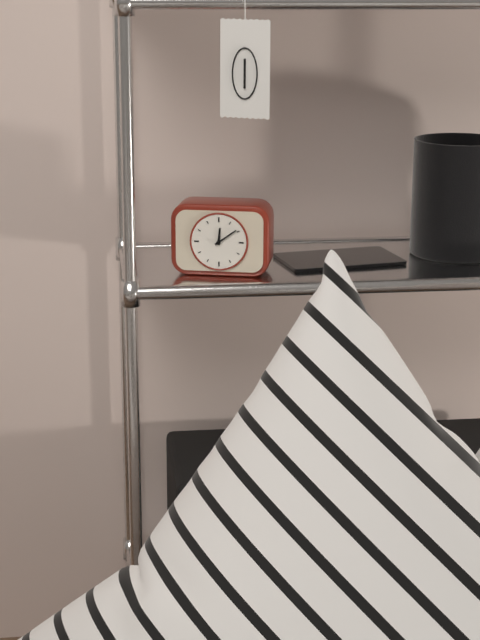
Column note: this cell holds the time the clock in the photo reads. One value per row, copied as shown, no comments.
12:09
